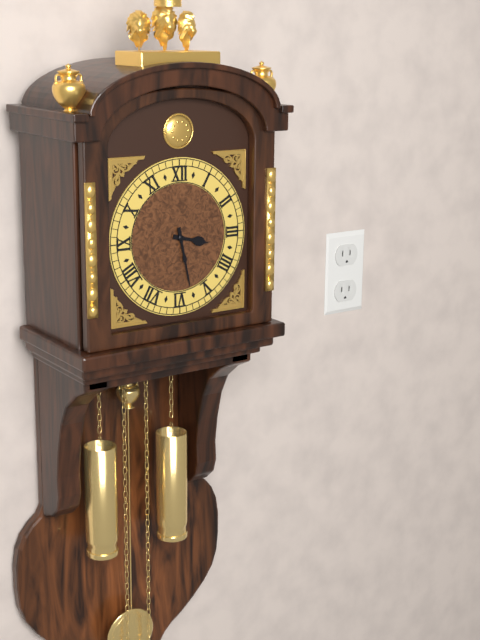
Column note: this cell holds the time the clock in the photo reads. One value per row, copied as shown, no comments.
3:28
